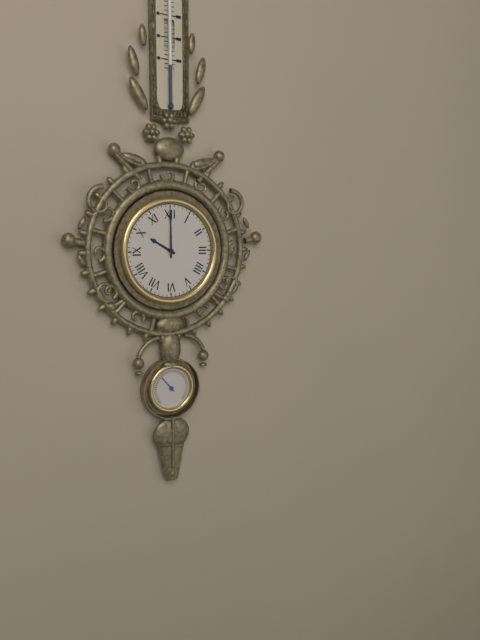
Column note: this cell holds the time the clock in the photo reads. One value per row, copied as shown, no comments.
10:00
